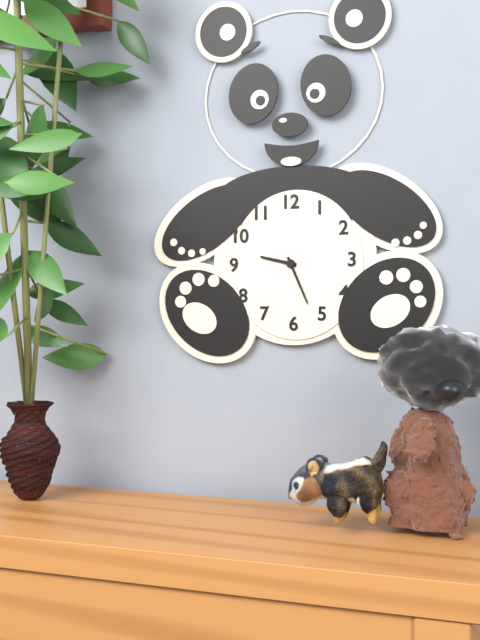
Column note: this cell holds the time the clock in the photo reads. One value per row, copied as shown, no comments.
9:26
